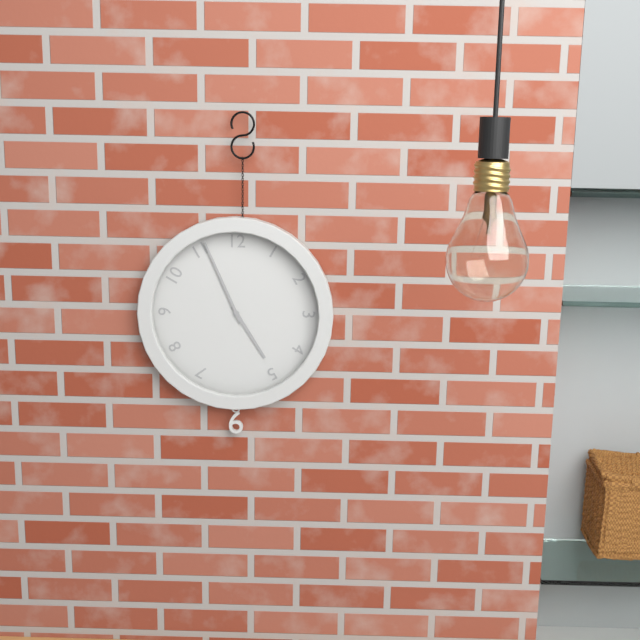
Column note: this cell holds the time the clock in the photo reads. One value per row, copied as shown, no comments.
4:56
